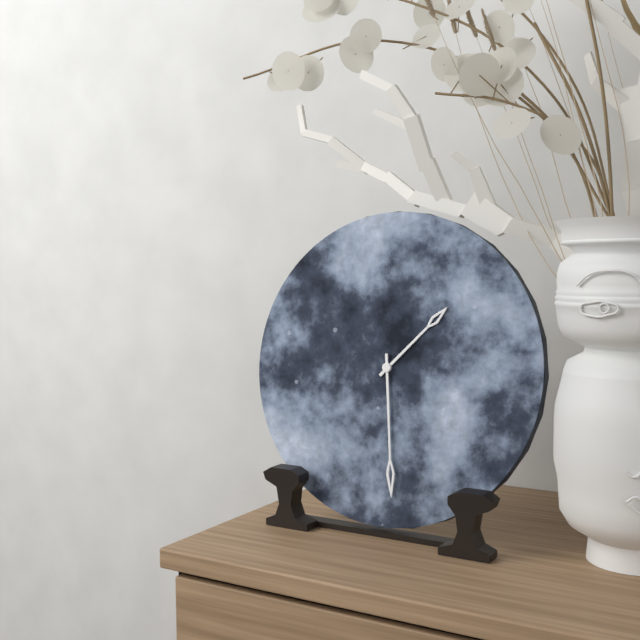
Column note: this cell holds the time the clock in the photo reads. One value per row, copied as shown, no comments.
1:29
